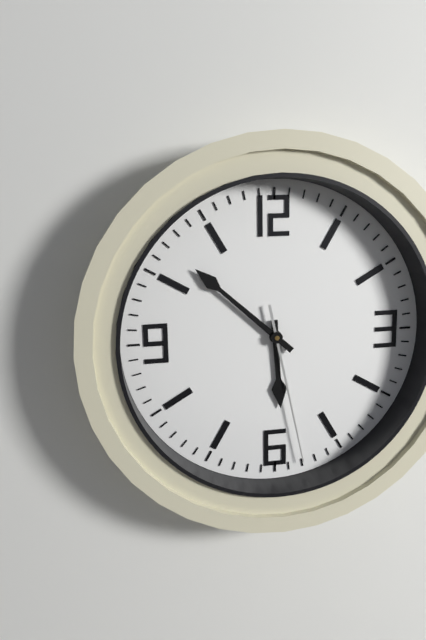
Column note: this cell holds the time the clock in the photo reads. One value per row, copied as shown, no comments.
5:52:28
